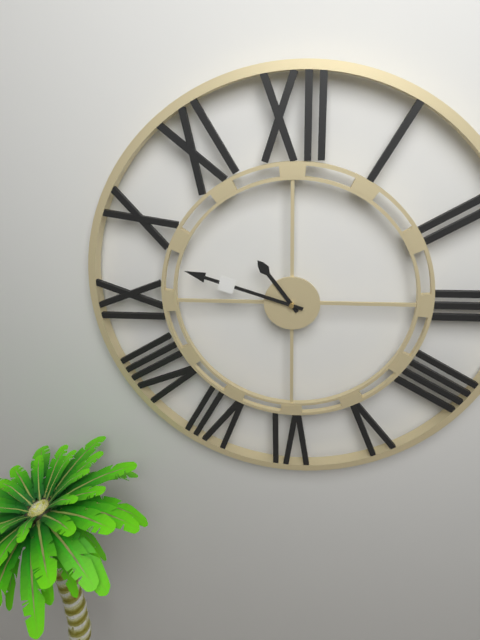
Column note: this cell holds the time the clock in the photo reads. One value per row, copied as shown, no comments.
10:48
